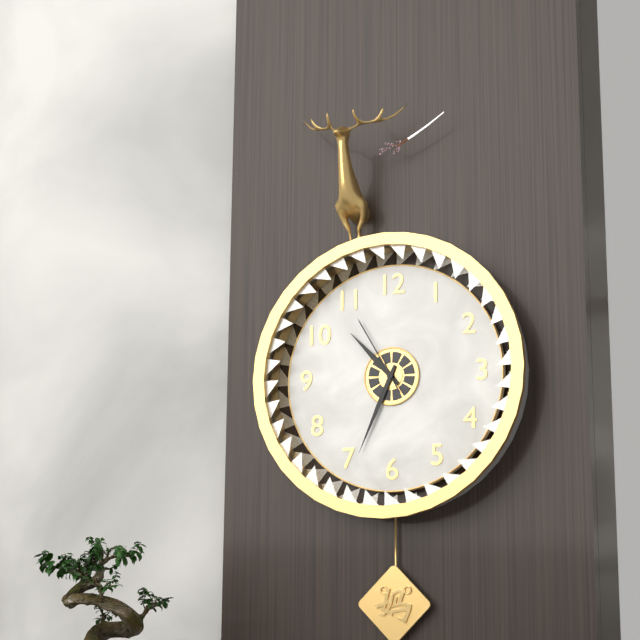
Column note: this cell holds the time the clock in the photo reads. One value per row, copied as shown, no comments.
10:34:55
